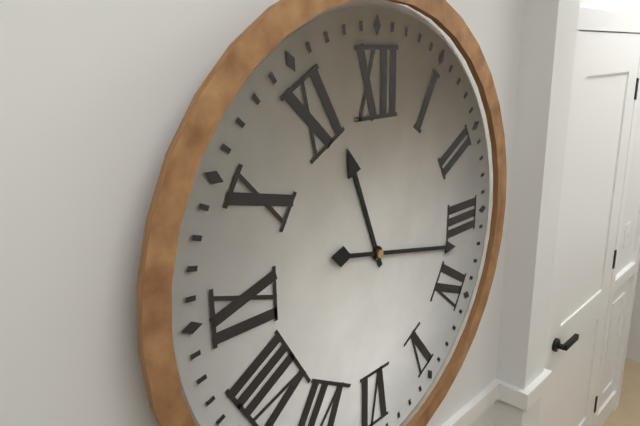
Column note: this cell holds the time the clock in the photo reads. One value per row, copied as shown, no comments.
11:17
